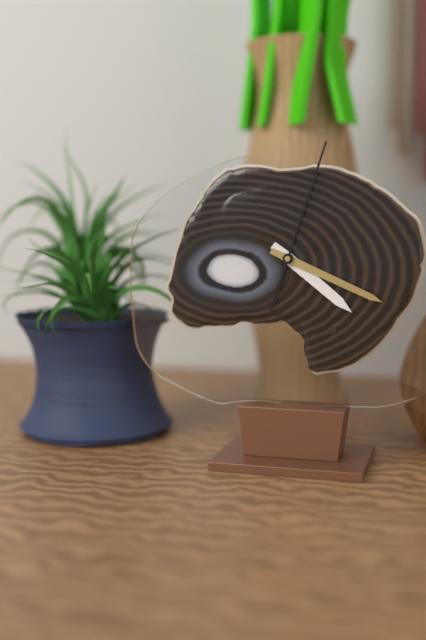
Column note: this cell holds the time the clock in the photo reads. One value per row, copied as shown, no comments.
4:19:03
